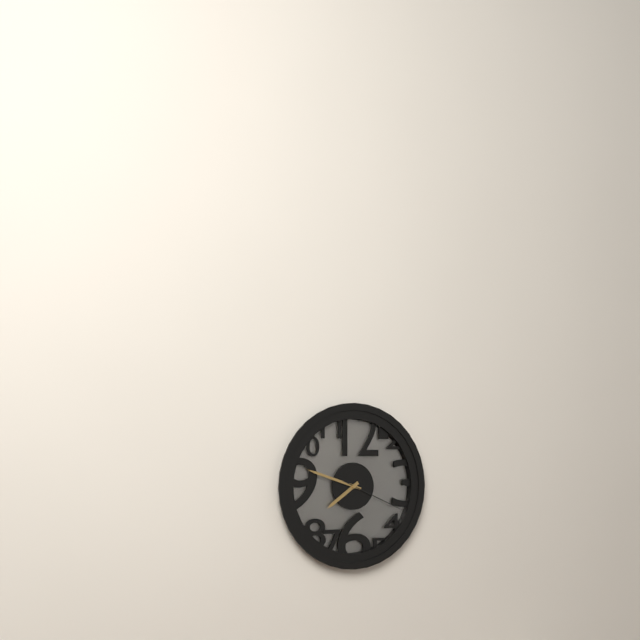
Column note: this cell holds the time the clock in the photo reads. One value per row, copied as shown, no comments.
7:48:19
